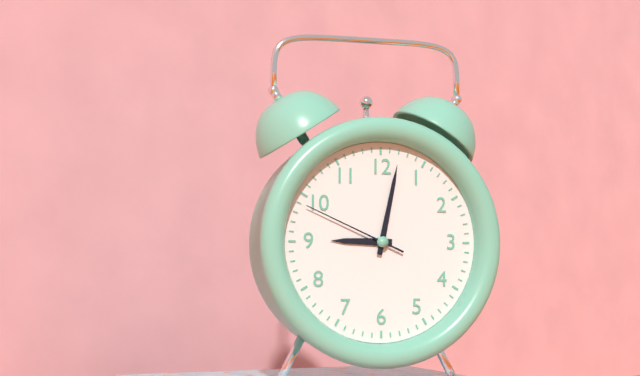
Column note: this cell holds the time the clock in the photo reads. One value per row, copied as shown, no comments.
9:02:49
